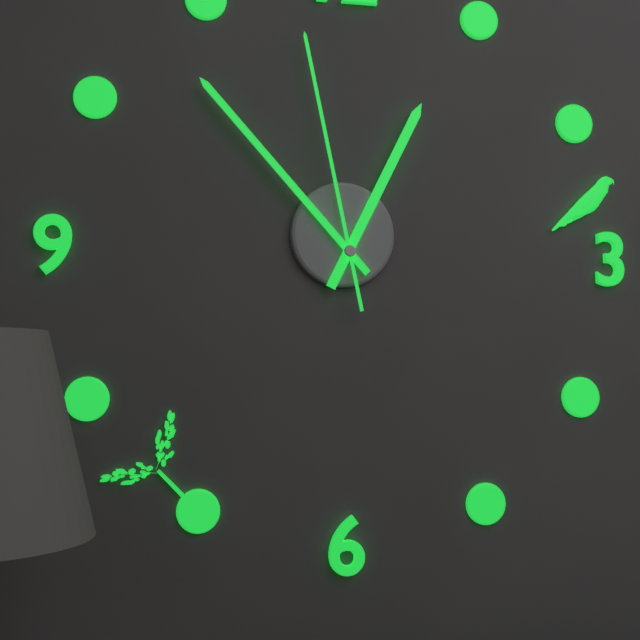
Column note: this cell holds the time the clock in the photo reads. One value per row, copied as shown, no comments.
12:53:58
